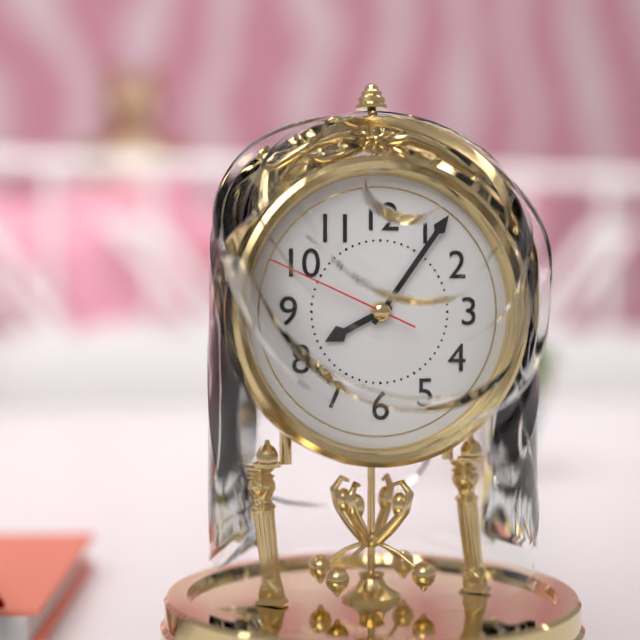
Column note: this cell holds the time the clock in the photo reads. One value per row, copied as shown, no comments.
8:06:49
